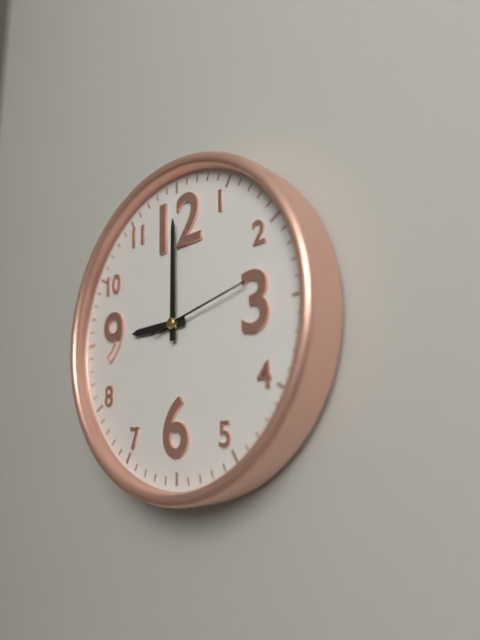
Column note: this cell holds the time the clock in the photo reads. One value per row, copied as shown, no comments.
9:00:13
